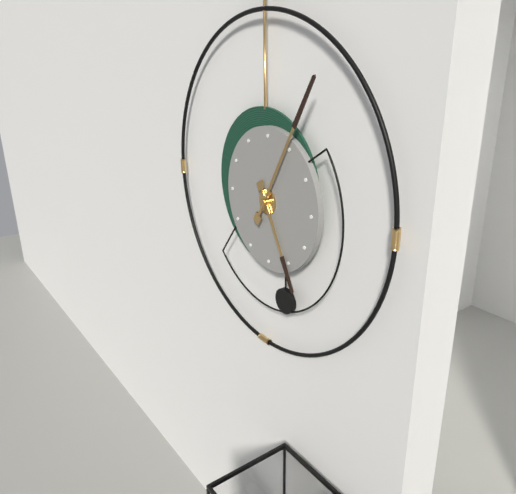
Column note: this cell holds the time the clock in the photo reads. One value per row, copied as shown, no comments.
5:05
